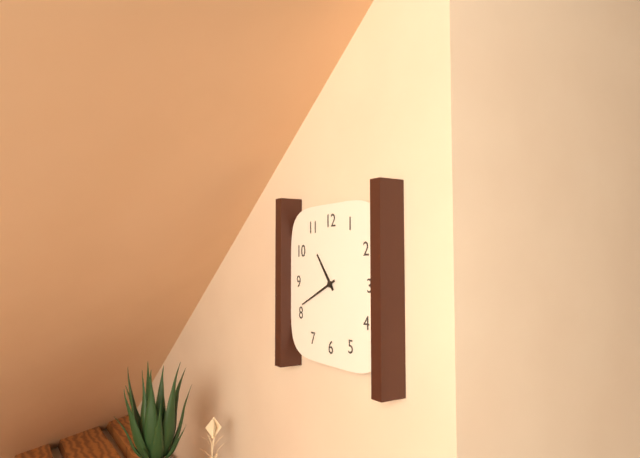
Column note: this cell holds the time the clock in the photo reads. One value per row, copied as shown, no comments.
10:41
